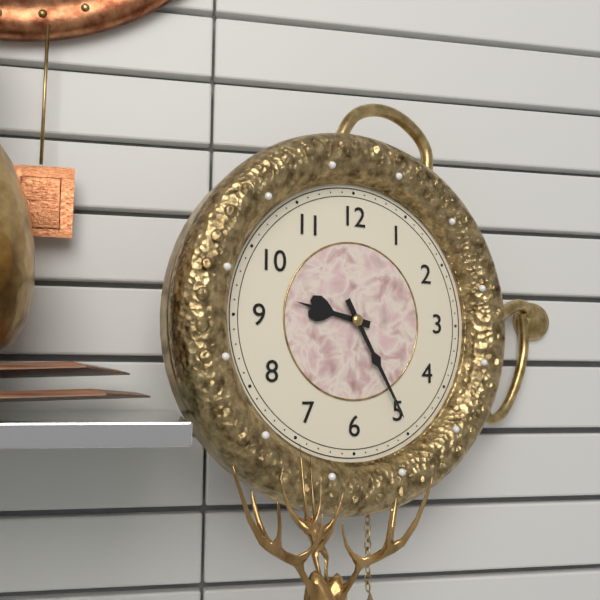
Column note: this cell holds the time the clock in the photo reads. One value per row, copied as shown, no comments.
9:25
